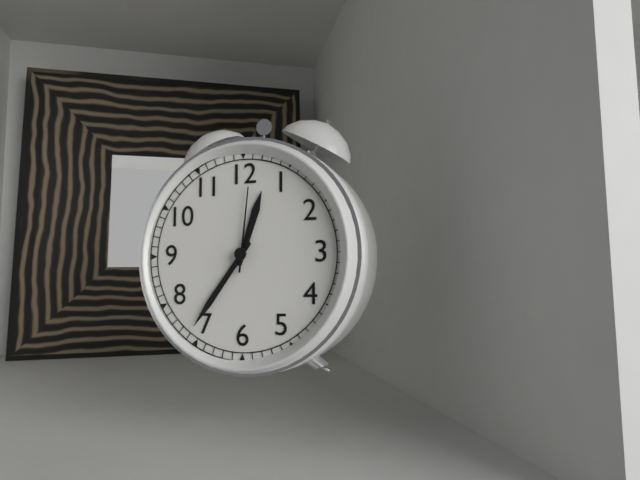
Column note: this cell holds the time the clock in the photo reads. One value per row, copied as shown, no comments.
12:36:01
